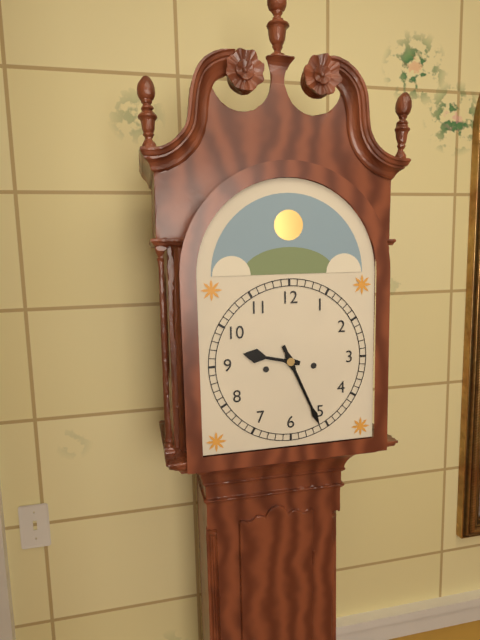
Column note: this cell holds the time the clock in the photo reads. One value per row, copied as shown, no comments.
9:26
